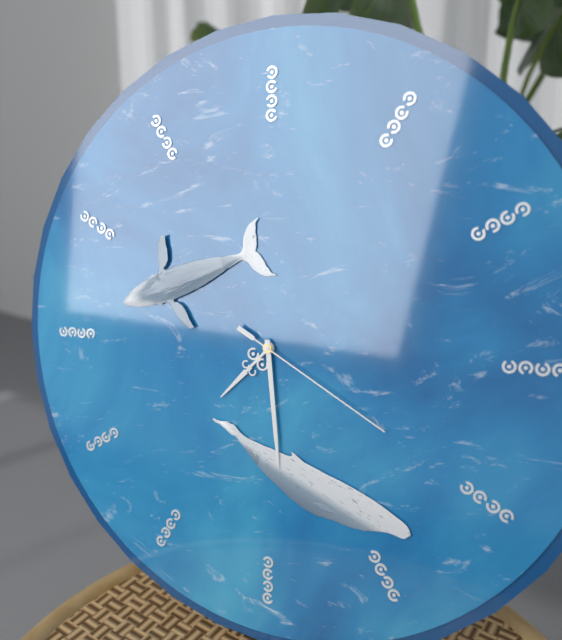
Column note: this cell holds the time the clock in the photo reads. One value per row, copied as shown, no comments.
7:29:20
